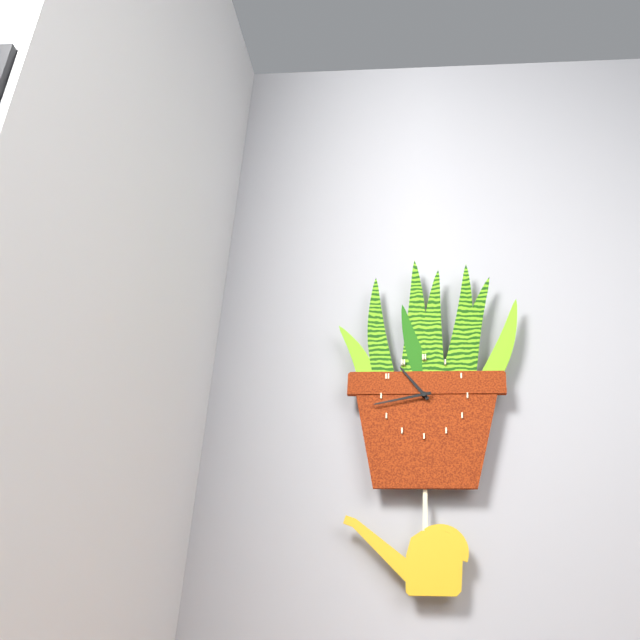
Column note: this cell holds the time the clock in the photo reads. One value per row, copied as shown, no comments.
10:43
